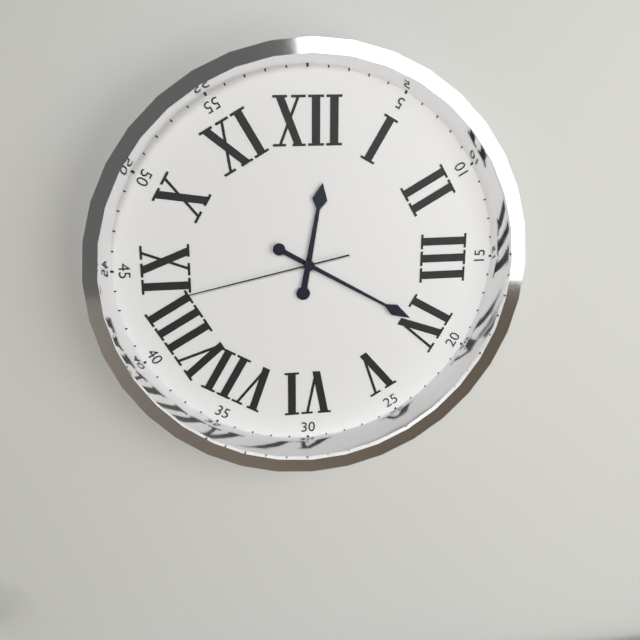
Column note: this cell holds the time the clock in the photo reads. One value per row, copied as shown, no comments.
12:20:43
